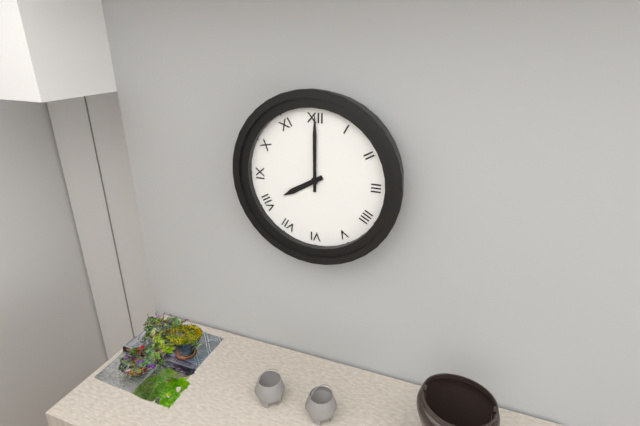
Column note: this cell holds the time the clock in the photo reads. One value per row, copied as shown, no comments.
8:00
